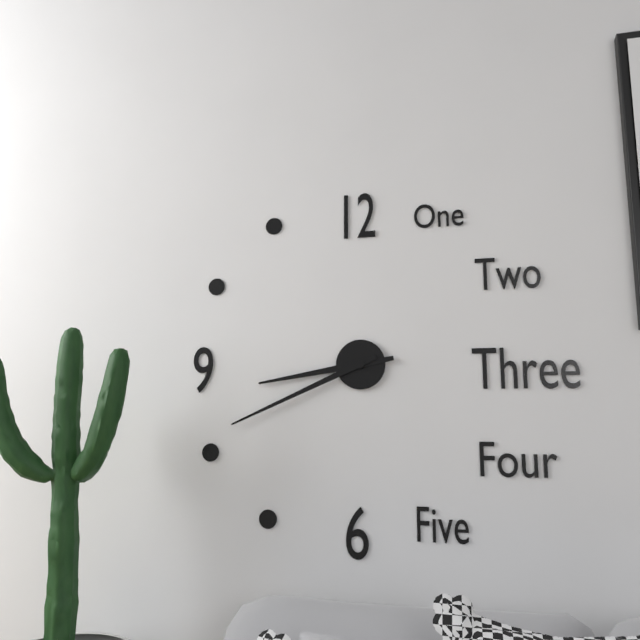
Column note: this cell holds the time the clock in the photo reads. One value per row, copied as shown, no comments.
8:41
